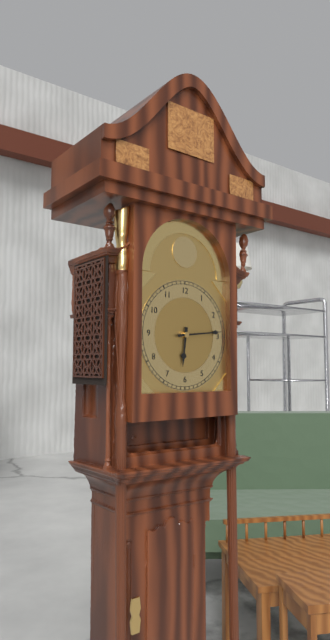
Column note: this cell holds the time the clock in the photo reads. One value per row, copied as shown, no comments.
6:14
